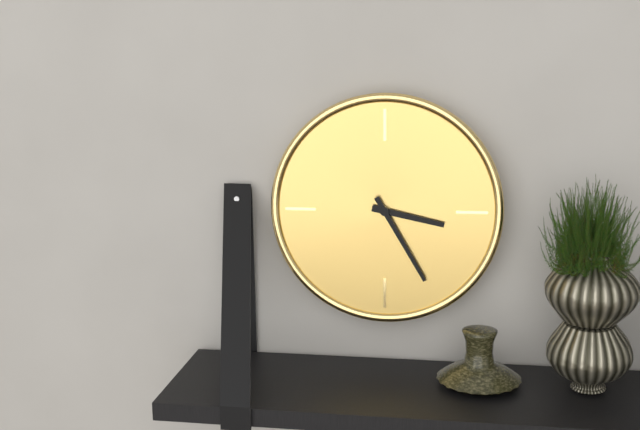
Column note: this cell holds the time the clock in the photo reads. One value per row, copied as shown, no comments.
3:25
